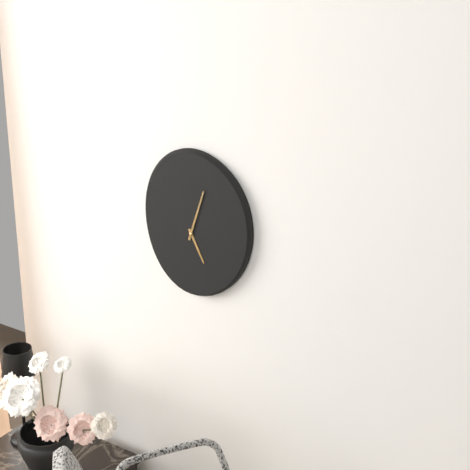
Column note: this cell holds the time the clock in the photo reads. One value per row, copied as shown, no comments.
5:03
